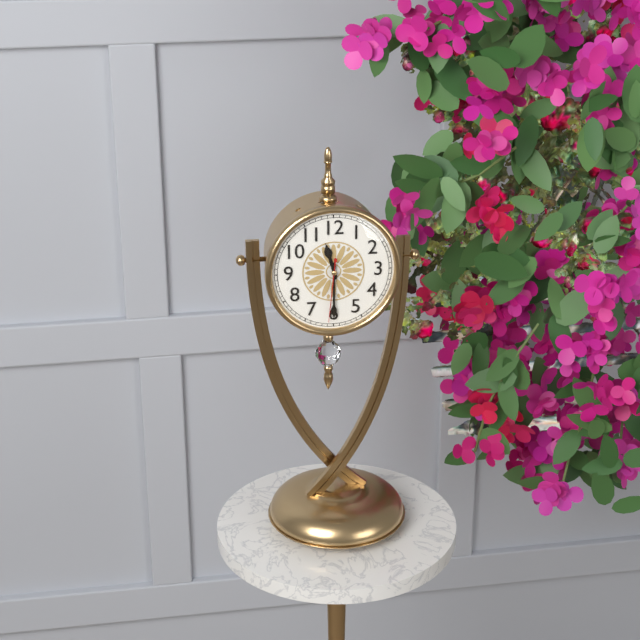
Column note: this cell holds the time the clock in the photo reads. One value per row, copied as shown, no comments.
11:30:31
